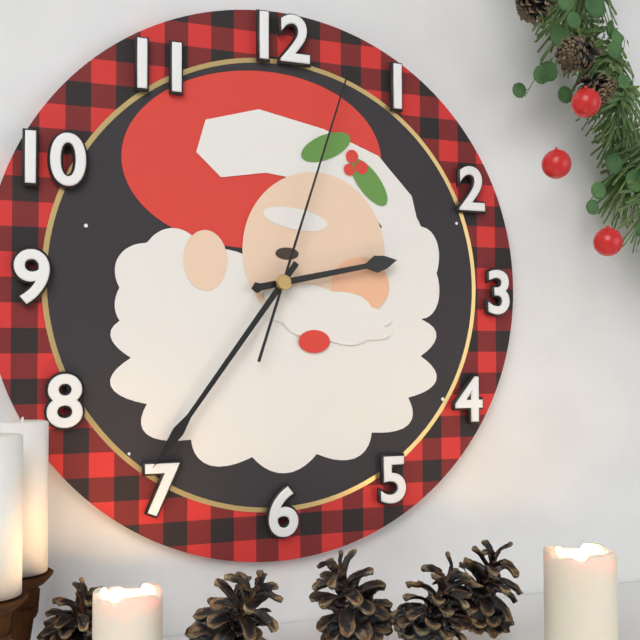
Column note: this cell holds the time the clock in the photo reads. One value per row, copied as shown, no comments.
2:36:03
